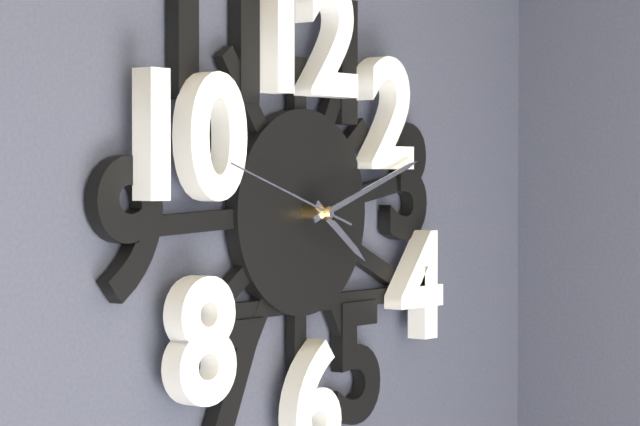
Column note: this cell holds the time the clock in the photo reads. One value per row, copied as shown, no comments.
4:12:48
